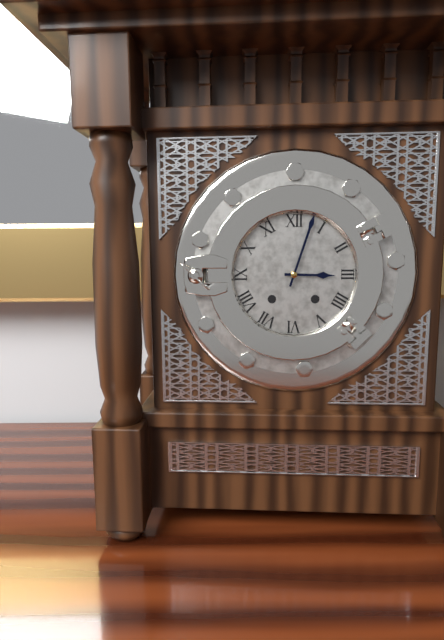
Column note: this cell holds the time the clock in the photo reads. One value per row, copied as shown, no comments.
3:03
